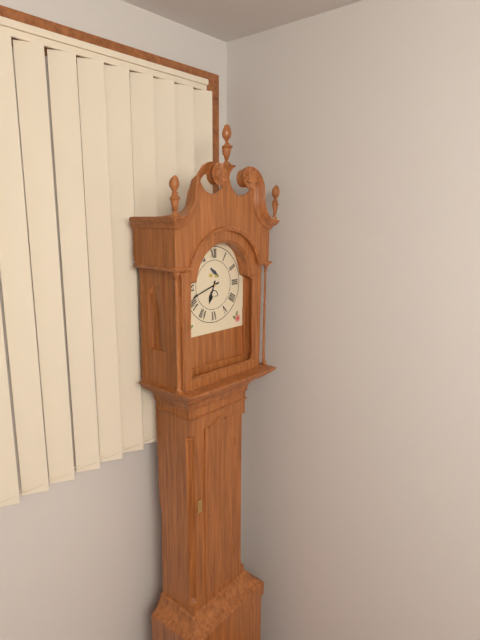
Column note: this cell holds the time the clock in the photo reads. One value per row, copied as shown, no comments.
6:42
